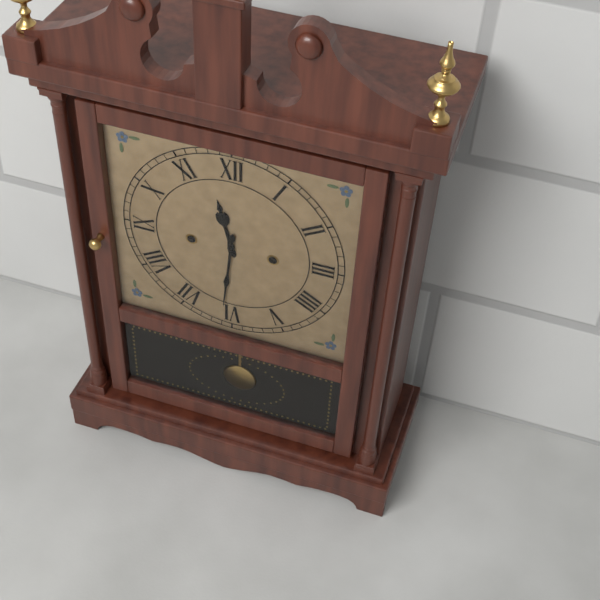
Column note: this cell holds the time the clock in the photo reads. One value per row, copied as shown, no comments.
11:31
